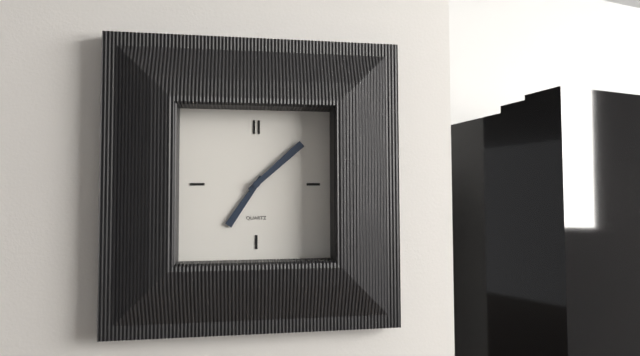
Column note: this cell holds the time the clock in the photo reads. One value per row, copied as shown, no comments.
7:08
